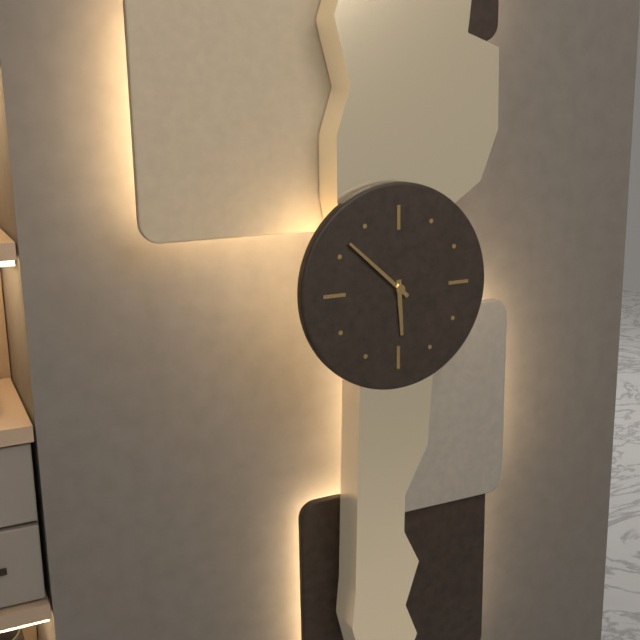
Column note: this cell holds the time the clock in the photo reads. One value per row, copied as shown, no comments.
5:52
